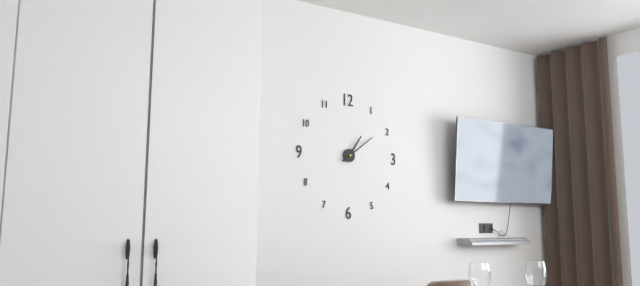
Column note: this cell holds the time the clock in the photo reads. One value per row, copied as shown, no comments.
1:09
